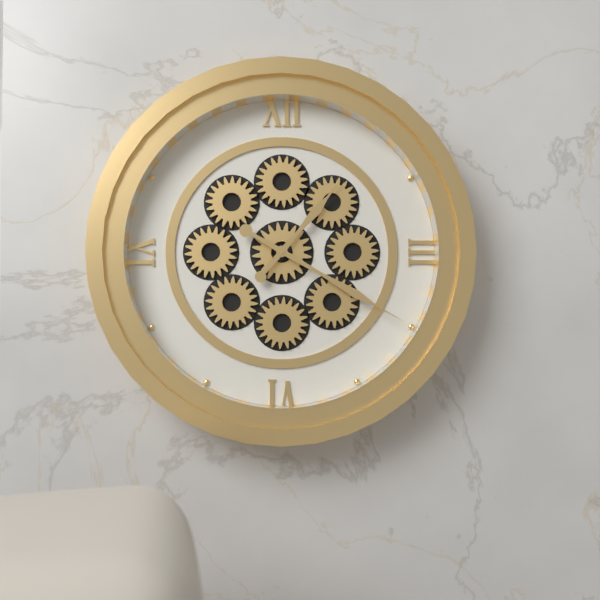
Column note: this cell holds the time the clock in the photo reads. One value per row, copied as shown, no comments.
1:20
